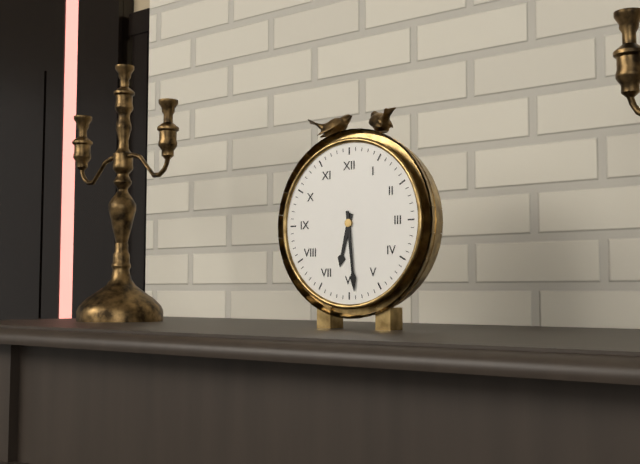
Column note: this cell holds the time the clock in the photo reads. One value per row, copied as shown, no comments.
6:29
